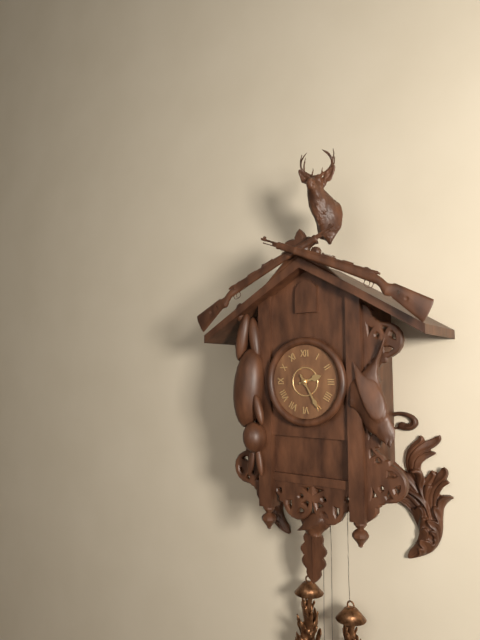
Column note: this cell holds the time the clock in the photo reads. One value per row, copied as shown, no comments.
2:25
